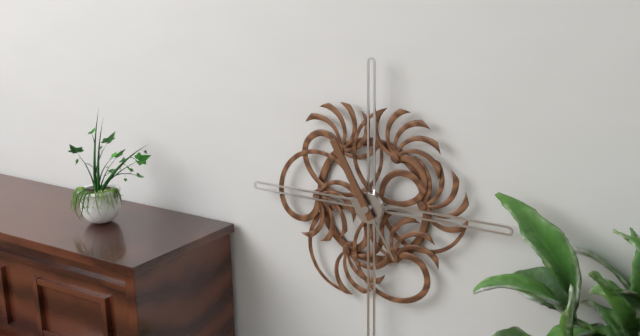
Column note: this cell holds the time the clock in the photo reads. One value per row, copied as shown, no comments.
4:55
